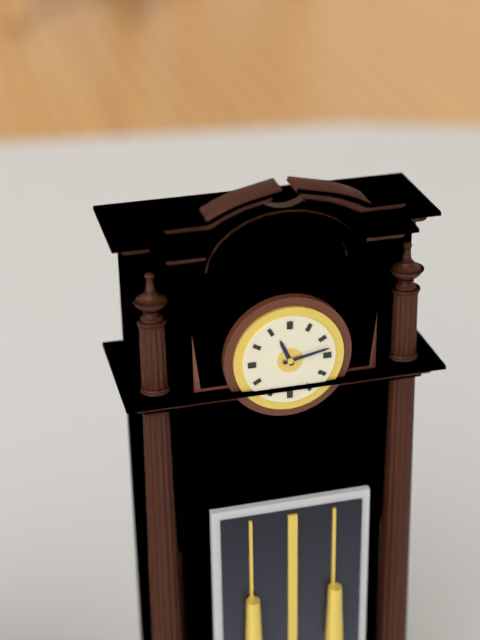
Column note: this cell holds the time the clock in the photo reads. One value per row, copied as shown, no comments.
11:13
